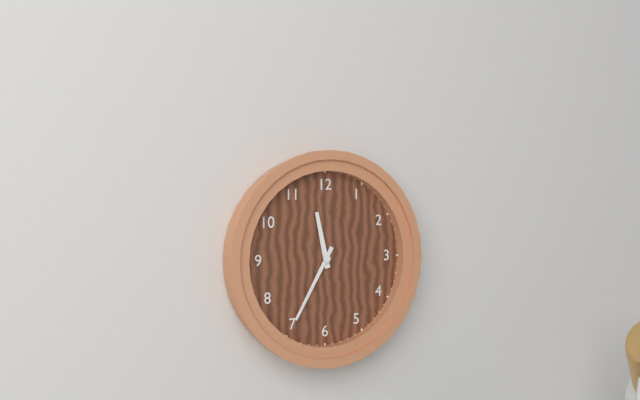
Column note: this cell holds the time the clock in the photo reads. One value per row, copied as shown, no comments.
11:35
